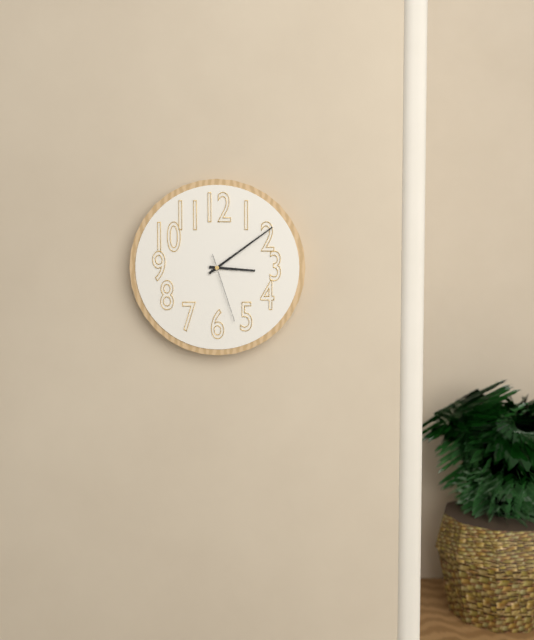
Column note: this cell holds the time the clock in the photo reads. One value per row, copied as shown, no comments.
3:09:27
